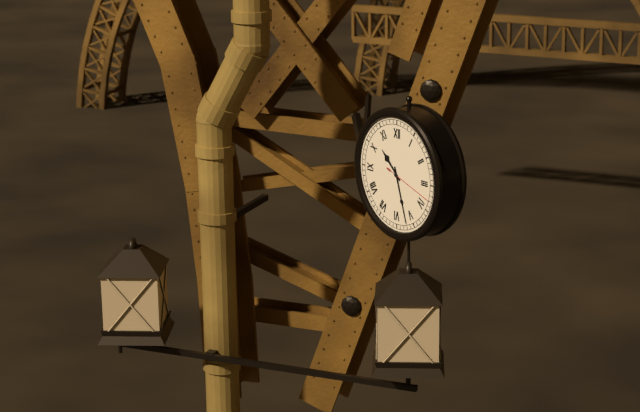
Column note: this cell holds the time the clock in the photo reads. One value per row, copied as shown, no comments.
10:27:18
